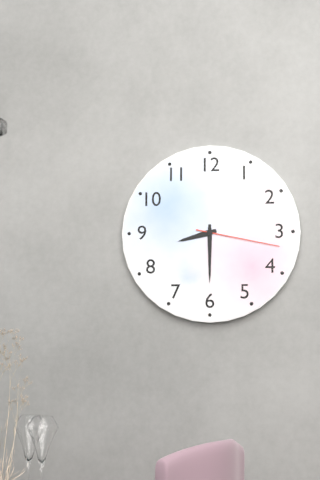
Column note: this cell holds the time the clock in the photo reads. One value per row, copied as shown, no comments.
8:30:17
